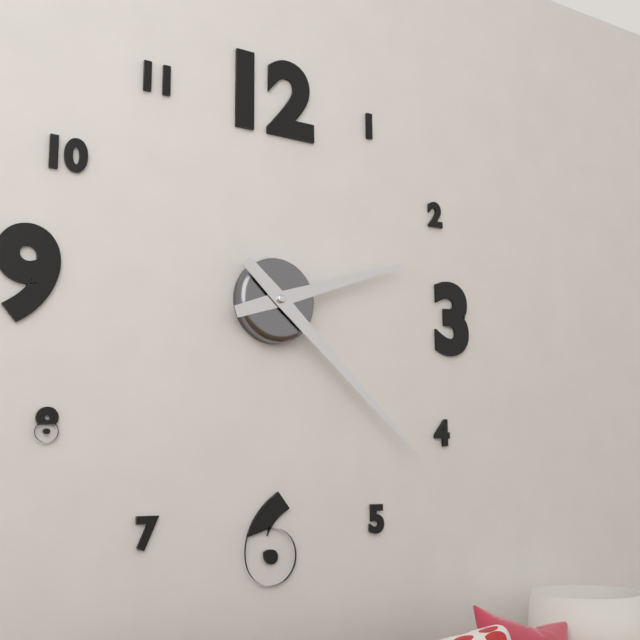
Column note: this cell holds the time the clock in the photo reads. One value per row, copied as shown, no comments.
2:22
